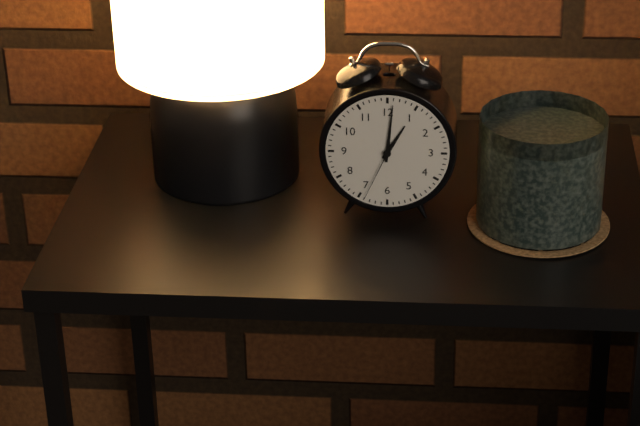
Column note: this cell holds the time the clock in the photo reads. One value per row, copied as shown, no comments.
1:01:34
